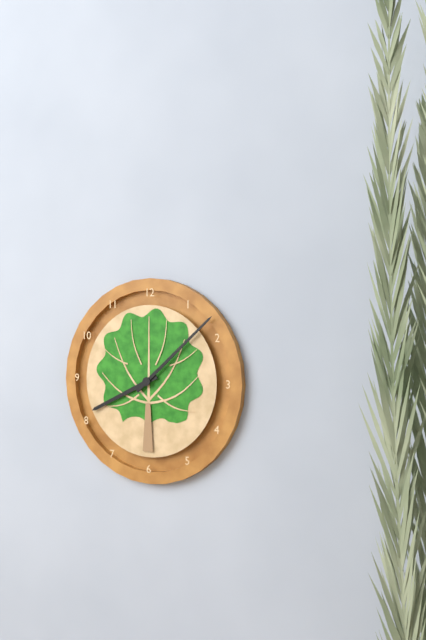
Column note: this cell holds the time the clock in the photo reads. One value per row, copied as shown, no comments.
8:08
